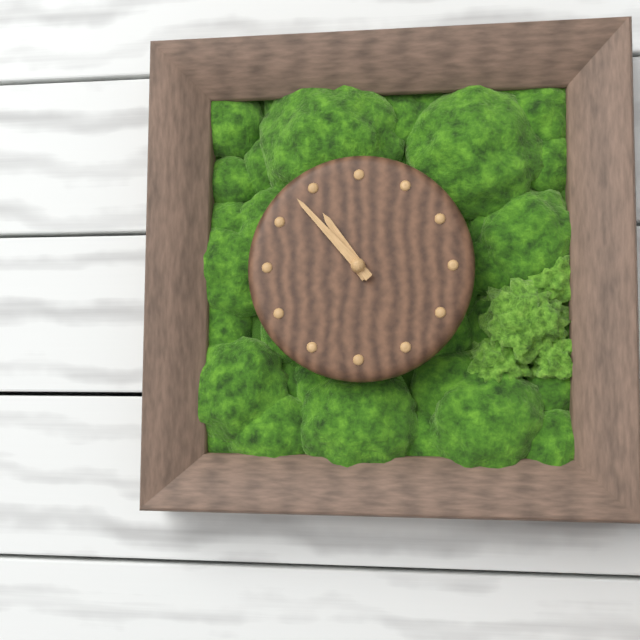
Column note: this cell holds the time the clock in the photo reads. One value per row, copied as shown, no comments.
10:53
